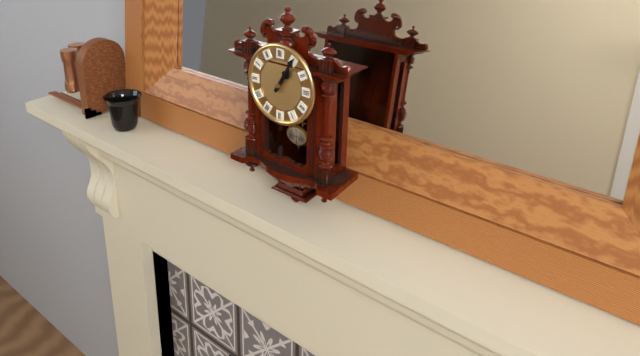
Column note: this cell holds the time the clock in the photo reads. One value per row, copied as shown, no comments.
1:05
